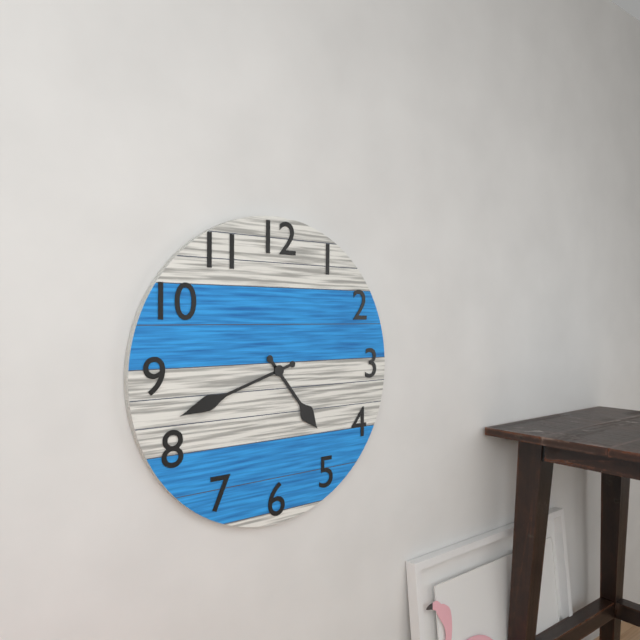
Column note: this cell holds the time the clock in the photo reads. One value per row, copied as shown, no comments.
4:42
